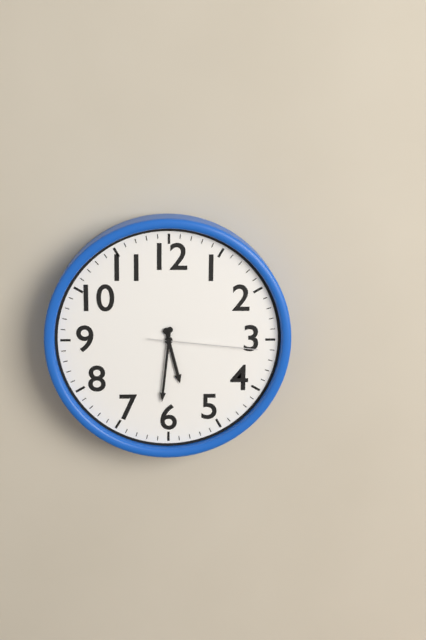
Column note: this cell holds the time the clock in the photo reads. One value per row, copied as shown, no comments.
5:31:16
